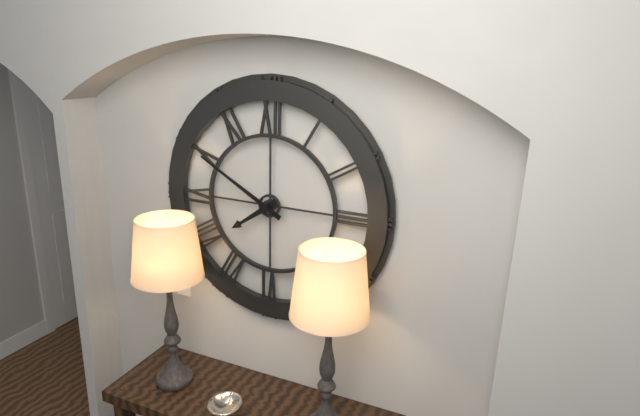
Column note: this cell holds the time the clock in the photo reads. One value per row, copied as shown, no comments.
7:50
